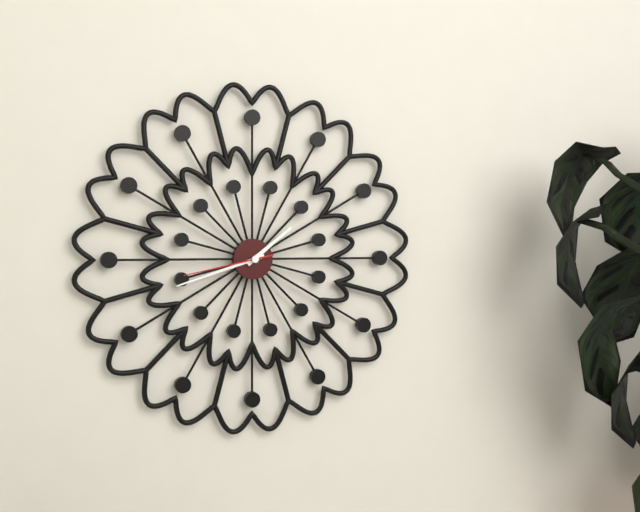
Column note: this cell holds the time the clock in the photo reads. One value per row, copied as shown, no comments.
1:42:43
